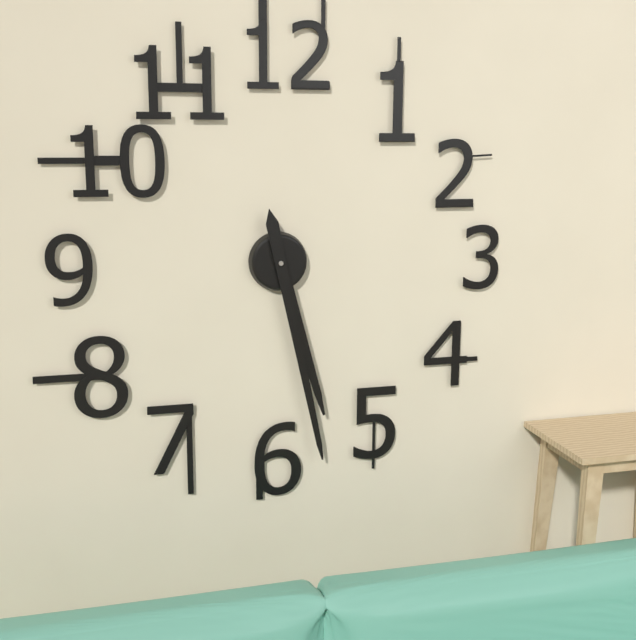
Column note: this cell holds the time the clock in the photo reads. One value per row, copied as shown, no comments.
5:28
